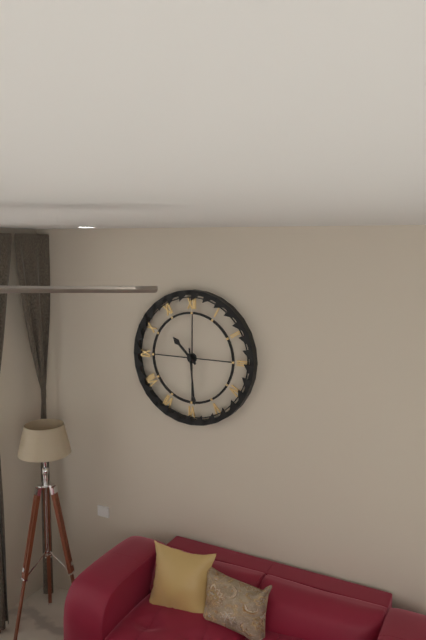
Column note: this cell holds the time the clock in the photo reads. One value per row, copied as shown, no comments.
10:29
